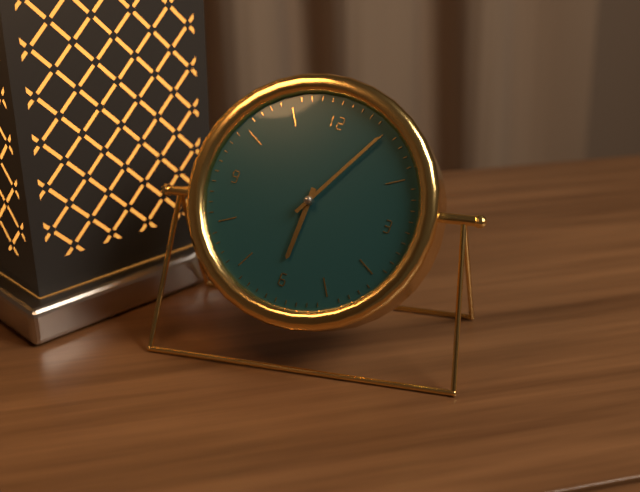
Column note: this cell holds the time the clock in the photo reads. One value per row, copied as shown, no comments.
6:05
